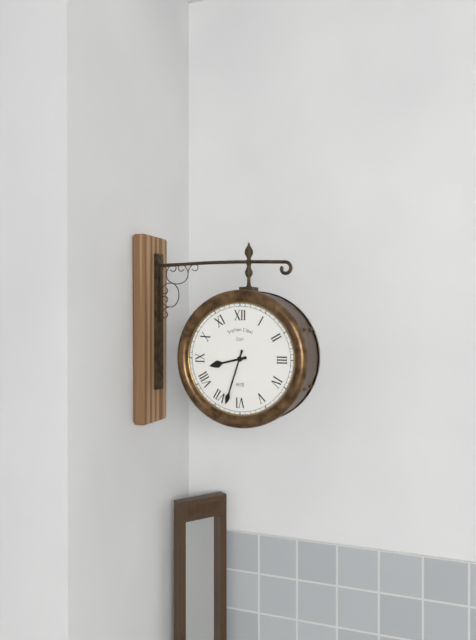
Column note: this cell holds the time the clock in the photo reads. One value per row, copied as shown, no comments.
8:33
